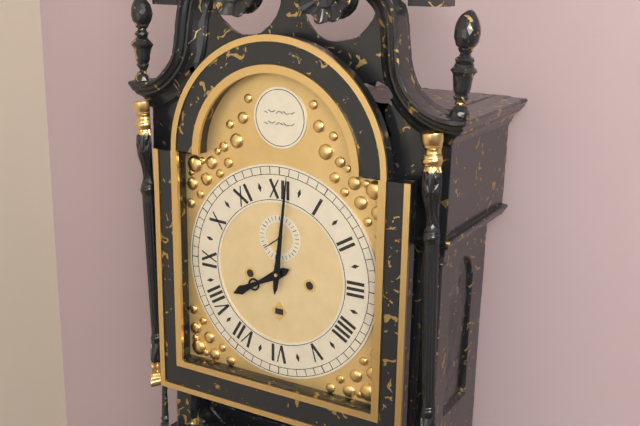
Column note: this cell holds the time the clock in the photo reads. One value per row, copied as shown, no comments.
8:01
